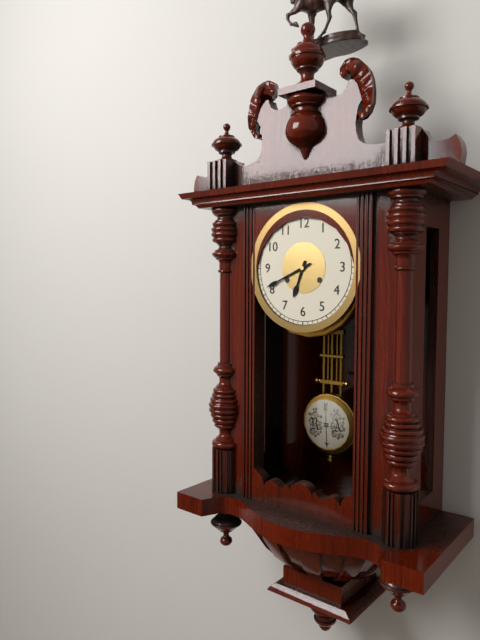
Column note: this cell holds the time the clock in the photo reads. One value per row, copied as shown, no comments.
6:41
